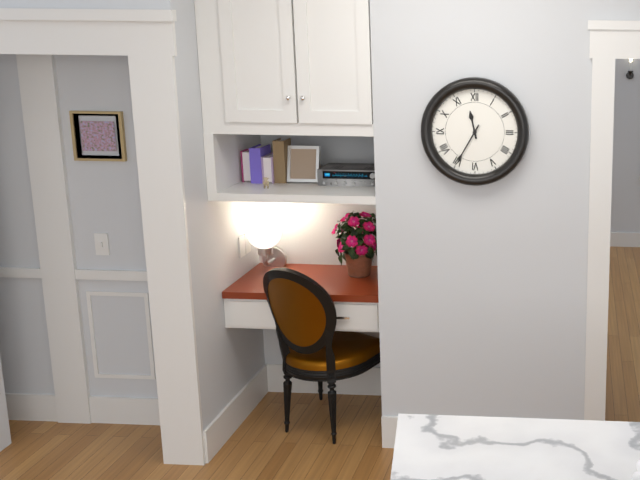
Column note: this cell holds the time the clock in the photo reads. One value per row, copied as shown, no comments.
11:35
